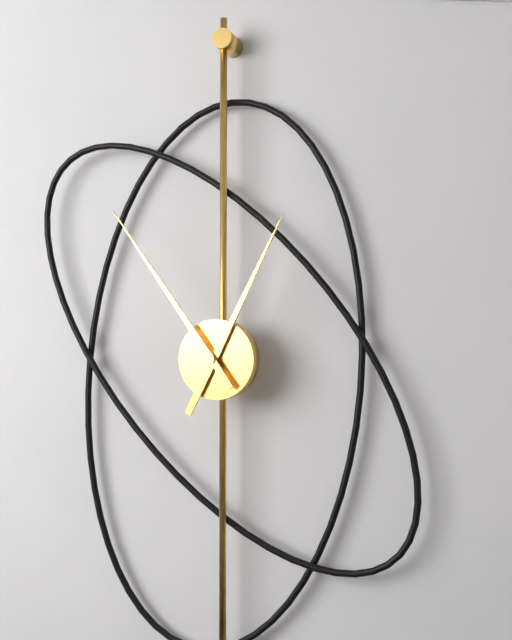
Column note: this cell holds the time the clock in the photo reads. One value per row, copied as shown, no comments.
12:54
